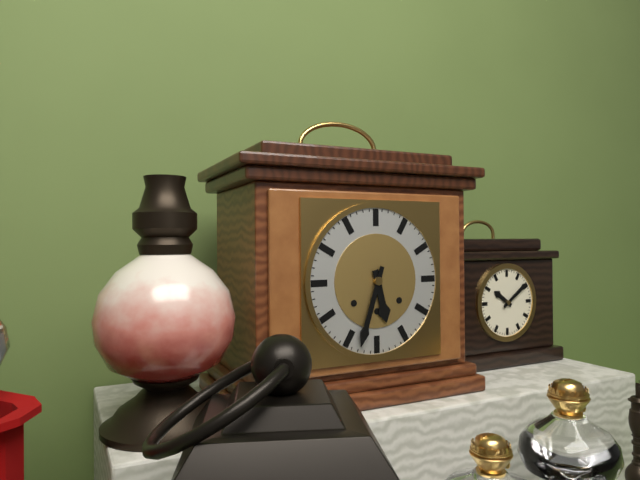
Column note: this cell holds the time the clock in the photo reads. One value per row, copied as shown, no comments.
5:33
